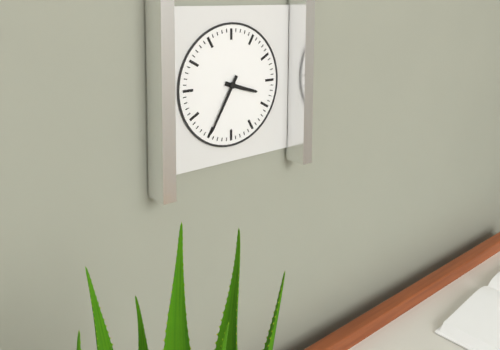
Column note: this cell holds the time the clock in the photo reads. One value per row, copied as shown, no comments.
3:35
